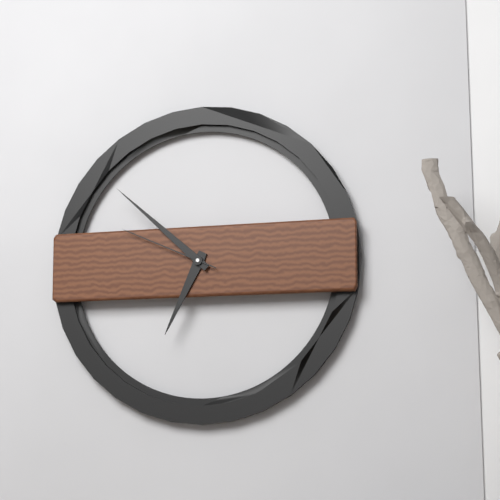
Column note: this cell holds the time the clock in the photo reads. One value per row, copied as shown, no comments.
6:52:49
